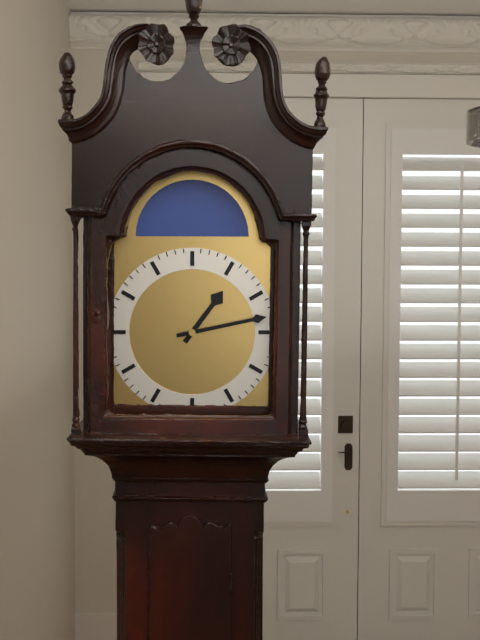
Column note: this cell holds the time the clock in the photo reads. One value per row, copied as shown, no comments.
1:13
